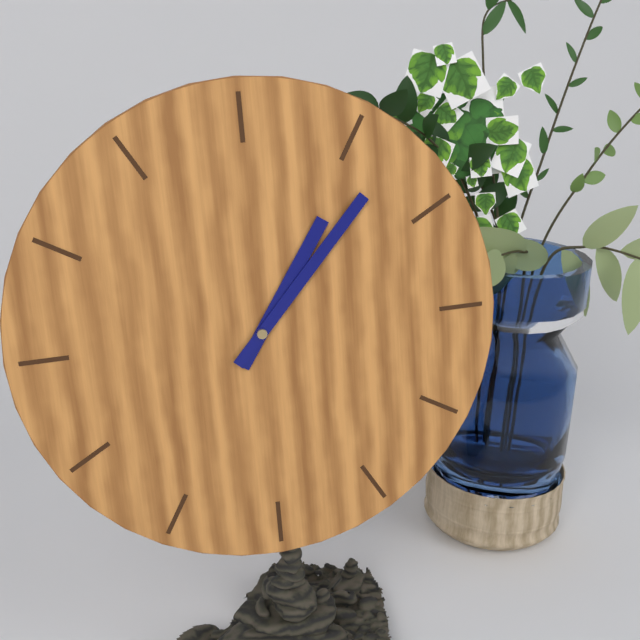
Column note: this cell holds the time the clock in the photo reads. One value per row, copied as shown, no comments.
1:07
